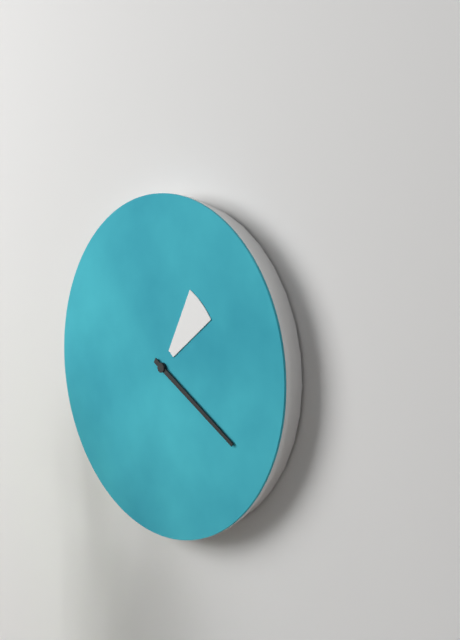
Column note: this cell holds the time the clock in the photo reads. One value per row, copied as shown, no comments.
1:20
